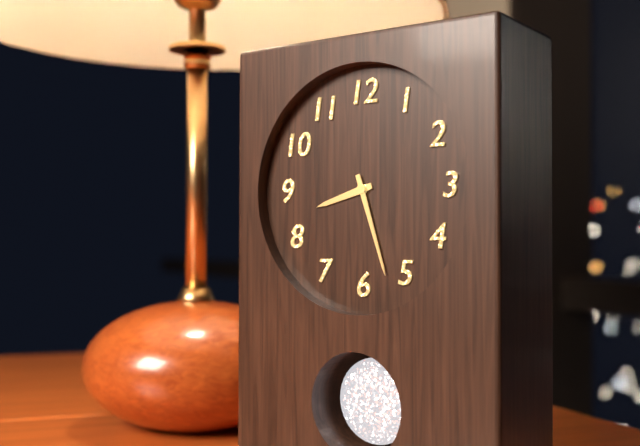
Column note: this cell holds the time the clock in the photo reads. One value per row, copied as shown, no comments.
8:27
